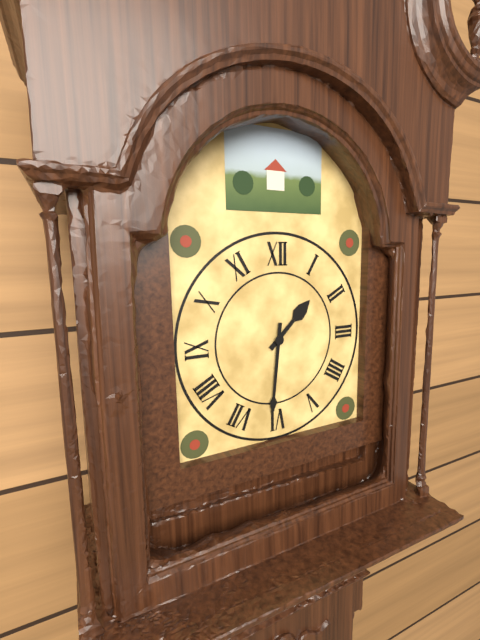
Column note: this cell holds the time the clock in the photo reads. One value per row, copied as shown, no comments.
1:31
